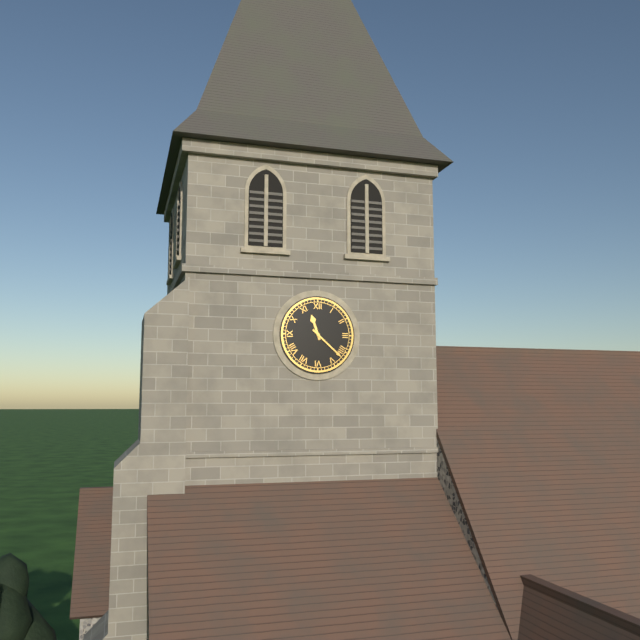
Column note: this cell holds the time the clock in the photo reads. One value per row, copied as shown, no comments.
11:22
